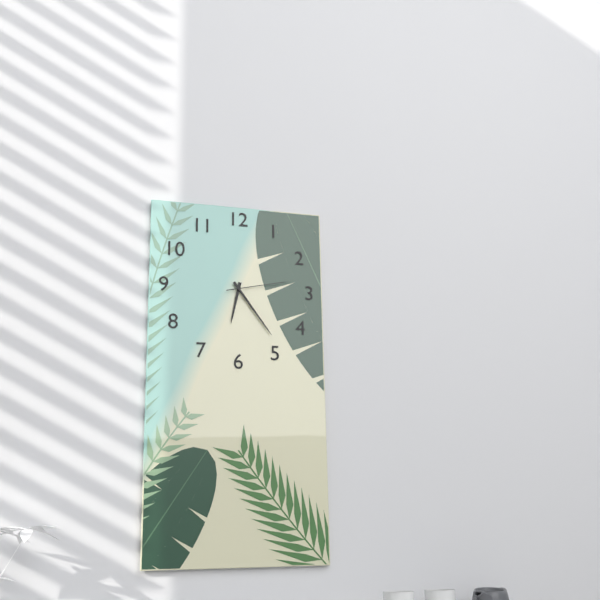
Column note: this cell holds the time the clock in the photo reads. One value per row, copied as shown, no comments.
6:24:13
